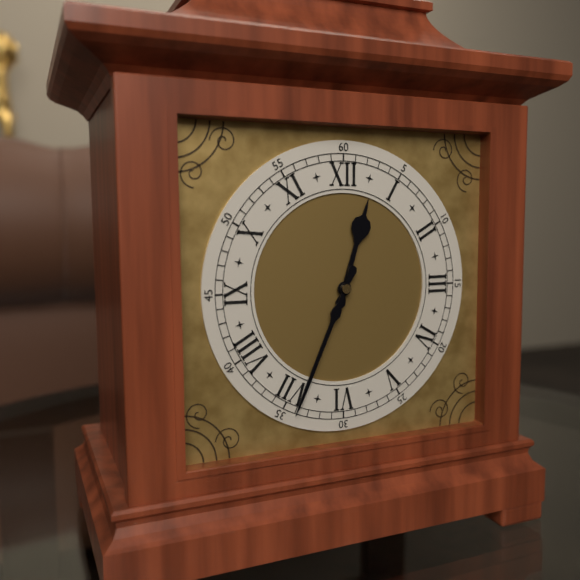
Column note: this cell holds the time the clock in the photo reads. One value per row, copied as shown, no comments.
12:34
